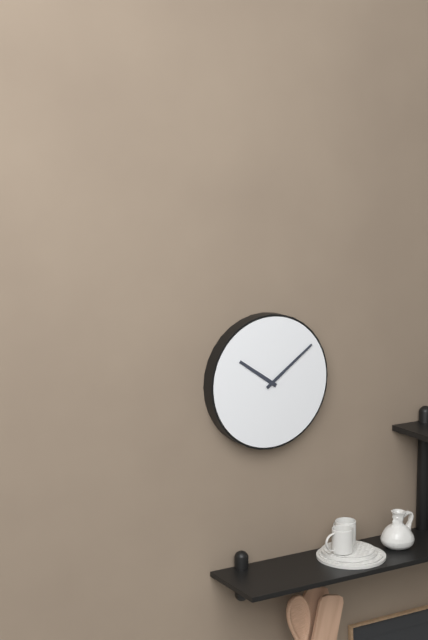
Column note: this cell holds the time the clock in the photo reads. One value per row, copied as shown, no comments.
10:09
